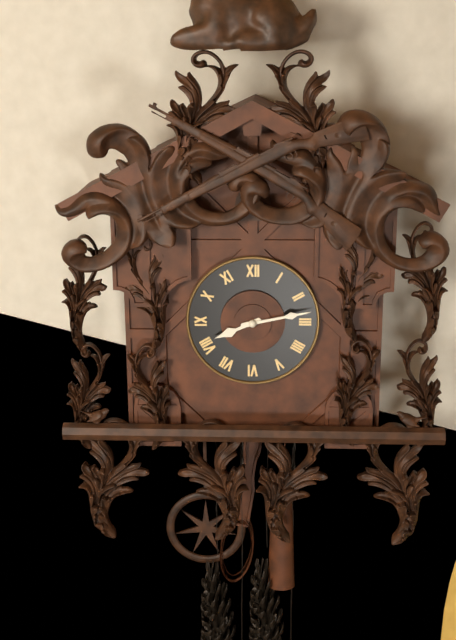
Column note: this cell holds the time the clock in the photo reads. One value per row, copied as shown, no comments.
8:13
